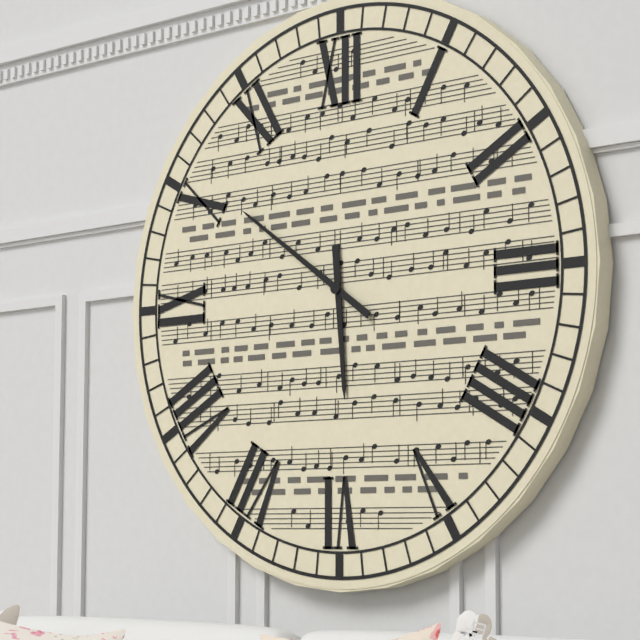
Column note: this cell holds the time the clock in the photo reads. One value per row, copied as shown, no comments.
5:51
